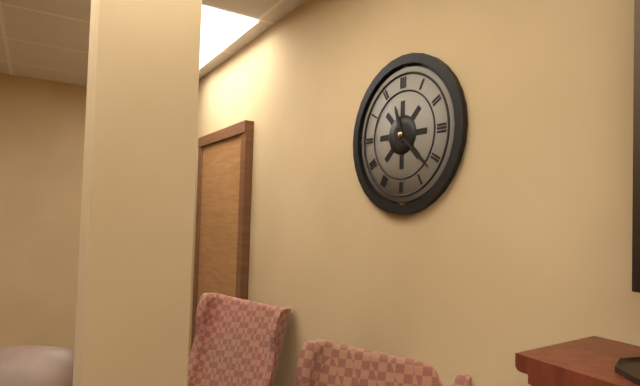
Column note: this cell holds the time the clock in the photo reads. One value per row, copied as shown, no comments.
11:22
